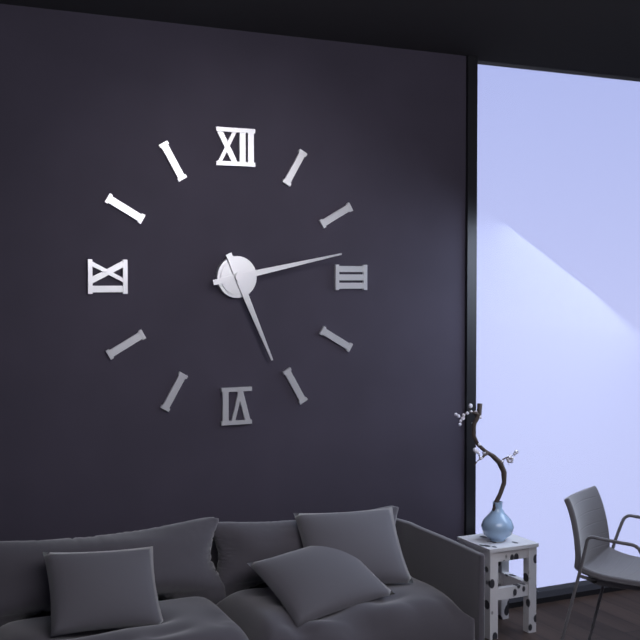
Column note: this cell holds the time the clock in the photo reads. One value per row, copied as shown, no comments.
5:13
